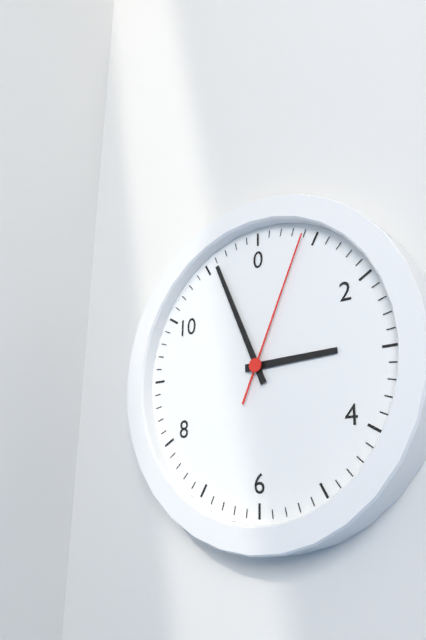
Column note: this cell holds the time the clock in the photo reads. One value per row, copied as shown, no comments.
2:56:04
